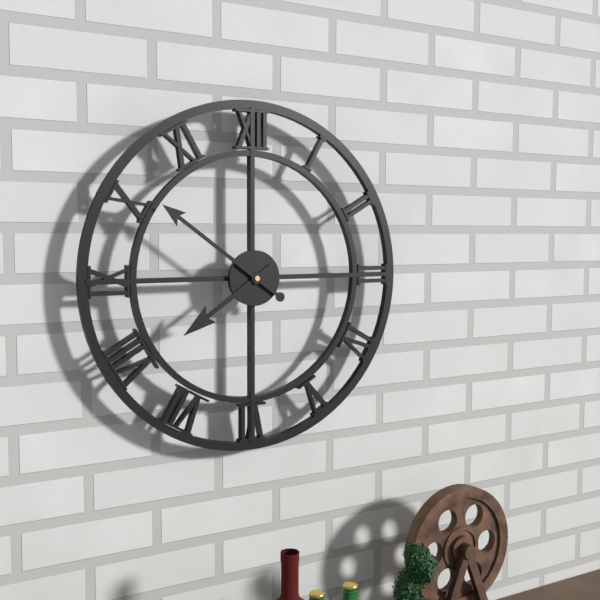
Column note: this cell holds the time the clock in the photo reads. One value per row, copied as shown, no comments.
7:51
